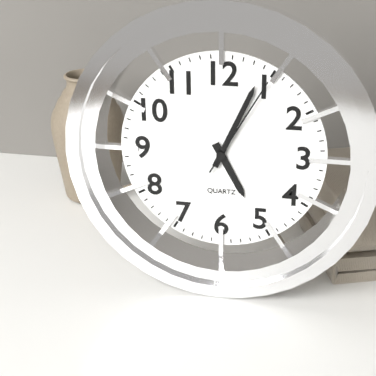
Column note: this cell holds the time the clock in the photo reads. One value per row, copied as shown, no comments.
5:04:05
